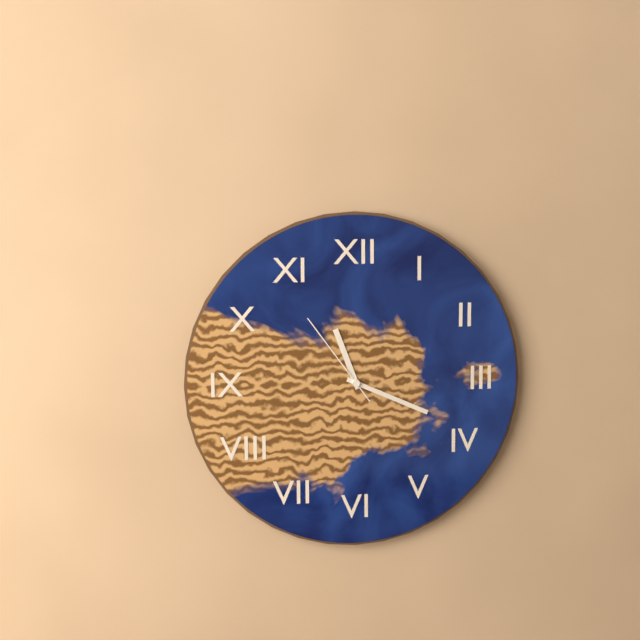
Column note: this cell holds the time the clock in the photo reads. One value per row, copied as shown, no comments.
11:19:54
